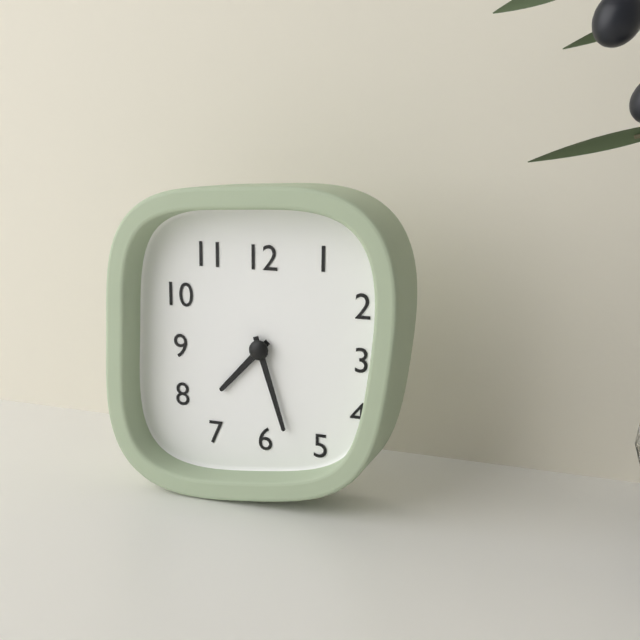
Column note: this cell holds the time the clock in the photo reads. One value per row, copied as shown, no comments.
7:27
